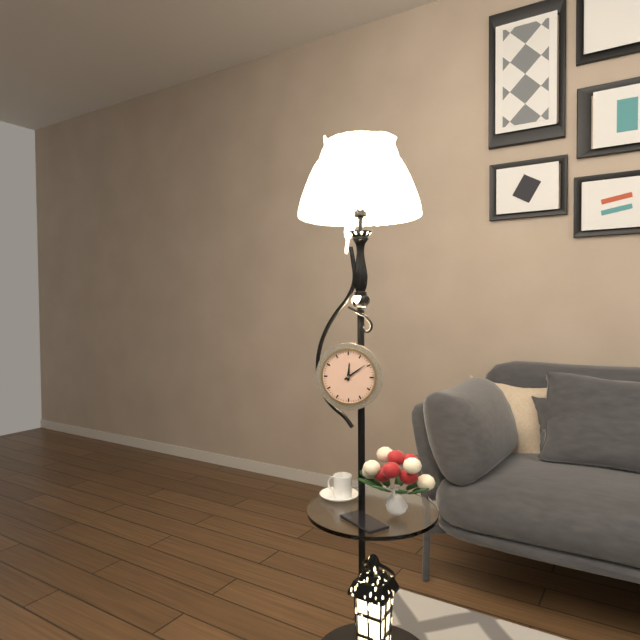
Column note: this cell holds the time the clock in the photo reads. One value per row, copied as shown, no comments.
12:09
